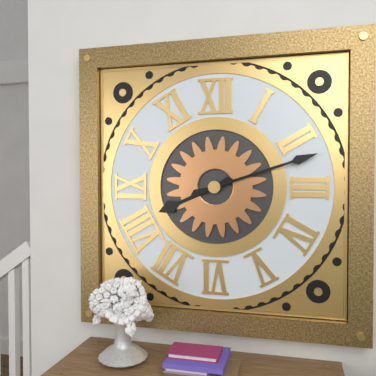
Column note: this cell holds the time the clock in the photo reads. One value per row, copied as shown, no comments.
8:12
